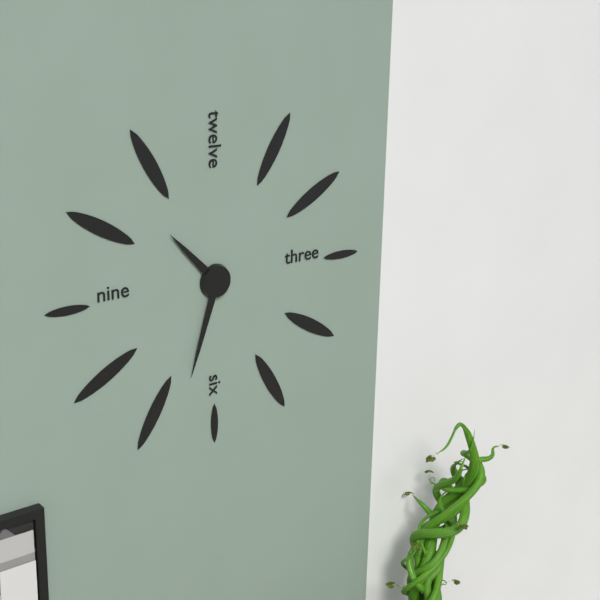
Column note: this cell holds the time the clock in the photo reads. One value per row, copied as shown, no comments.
10:33
